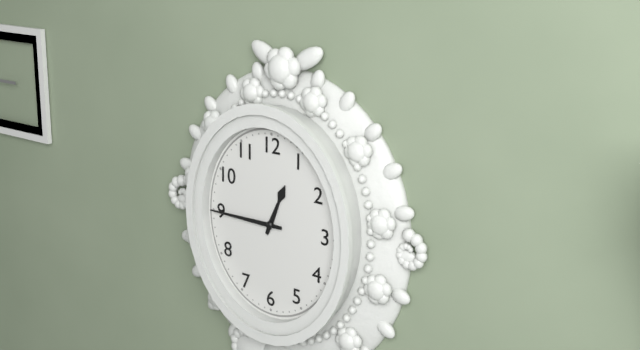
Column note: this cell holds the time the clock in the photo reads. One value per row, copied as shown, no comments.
12:45
